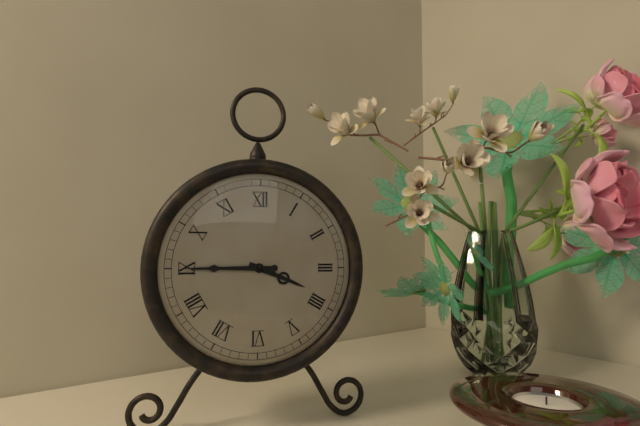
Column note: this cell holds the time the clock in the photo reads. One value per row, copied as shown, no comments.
3:45
